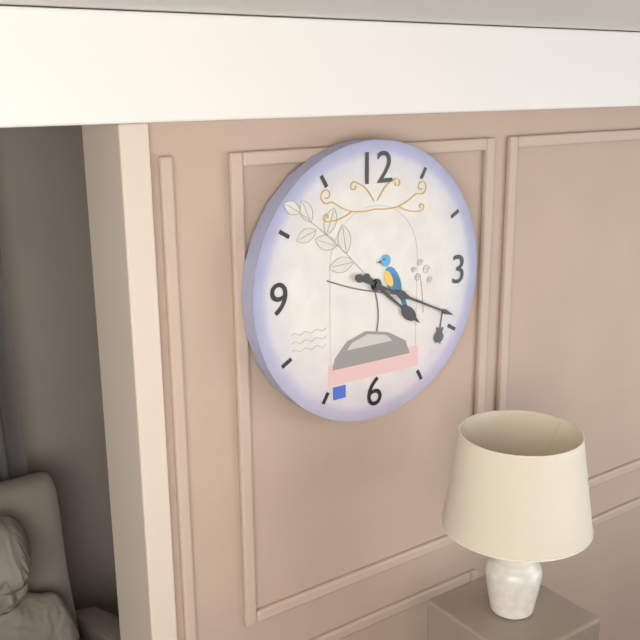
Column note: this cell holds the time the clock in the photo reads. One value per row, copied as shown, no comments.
4:19
